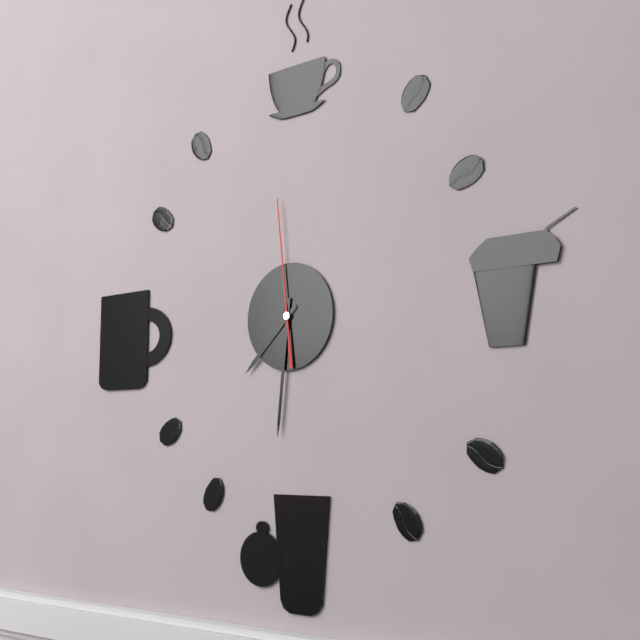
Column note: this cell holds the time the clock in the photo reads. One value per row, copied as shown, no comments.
7:31:59
